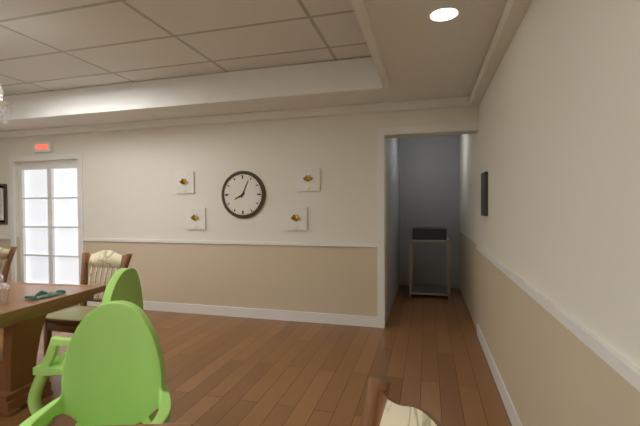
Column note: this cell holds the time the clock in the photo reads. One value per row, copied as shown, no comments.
8:04
